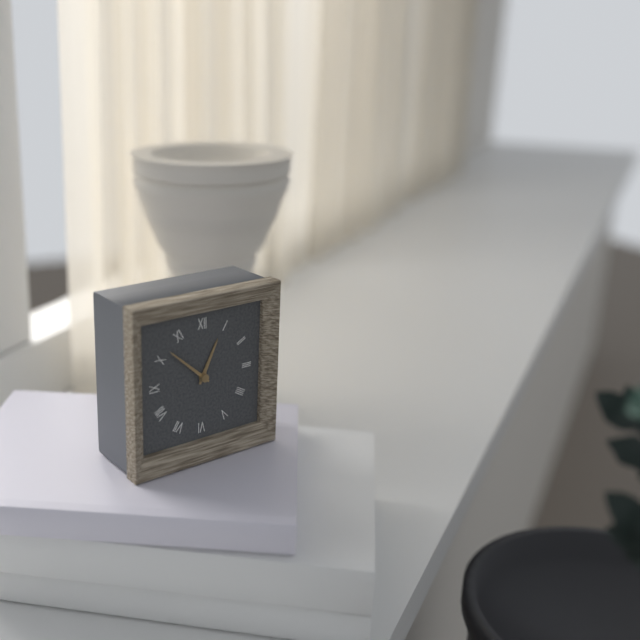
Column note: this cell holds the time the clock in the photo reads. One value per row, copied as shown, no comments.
12:52
